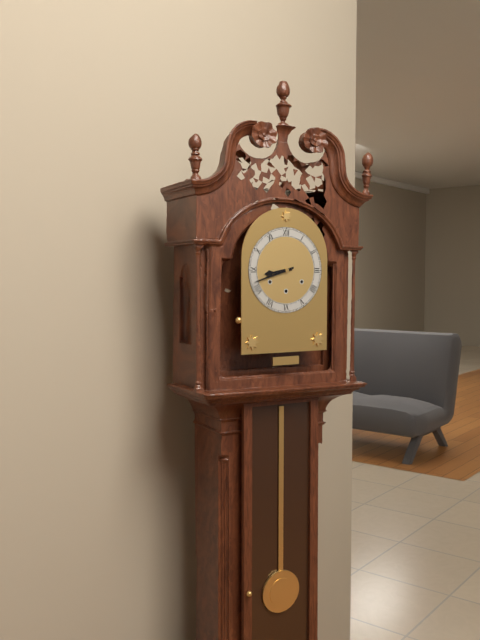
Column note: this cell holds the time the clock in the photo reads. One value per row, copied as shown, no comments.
8:42
